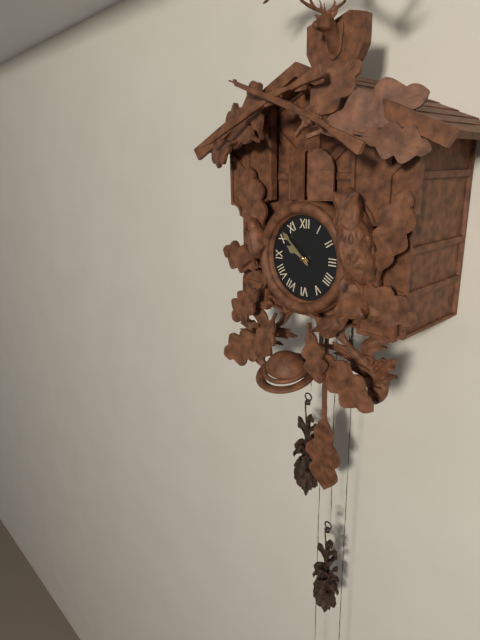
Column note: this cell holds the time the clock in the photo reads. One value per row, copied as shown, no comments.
9:52
